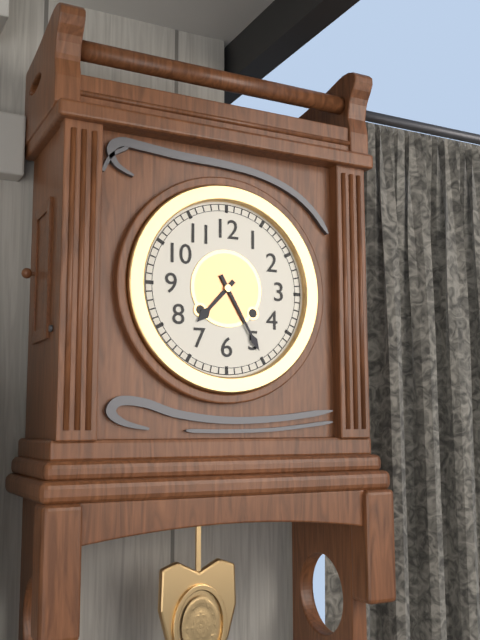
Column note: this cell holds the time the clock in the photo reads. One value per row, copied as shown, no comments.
7:25
